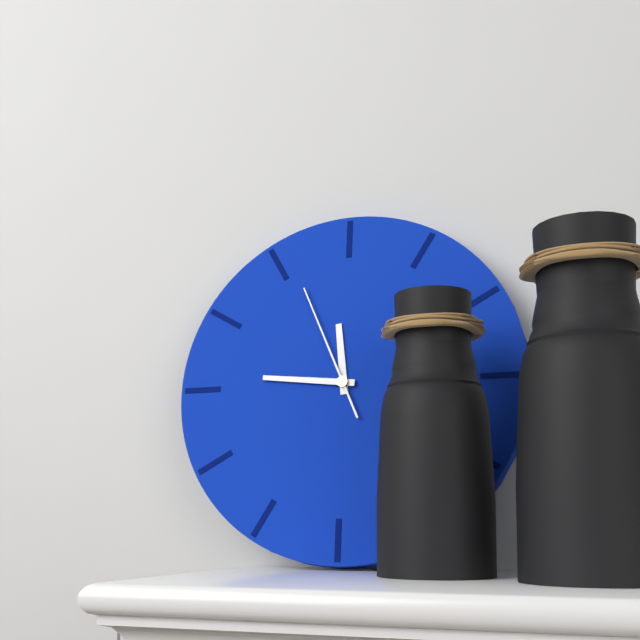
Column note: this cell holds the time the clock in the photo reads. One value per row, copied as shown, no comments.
11:46:56
